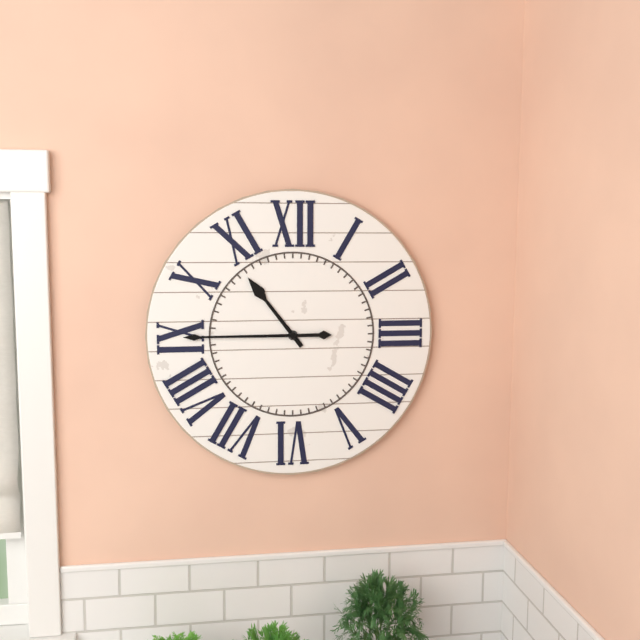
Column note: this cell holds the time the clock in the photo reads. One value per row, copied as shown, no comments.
10:45
